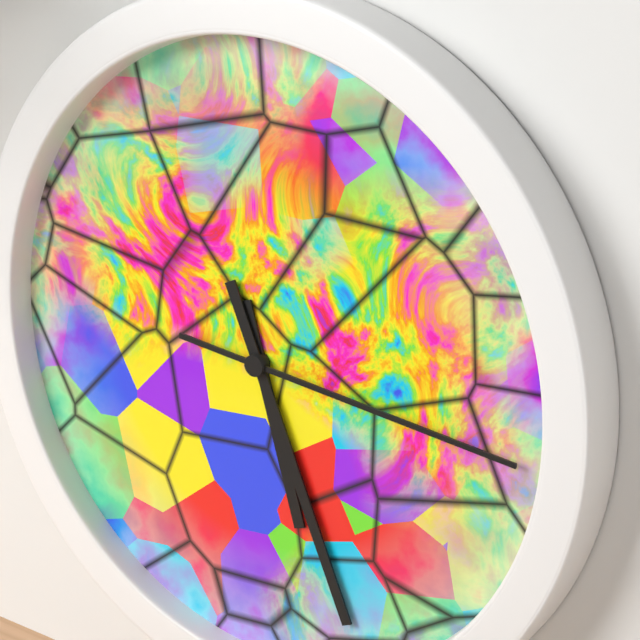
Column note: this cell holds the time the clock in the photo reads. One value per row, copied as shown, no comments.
5:26:16
